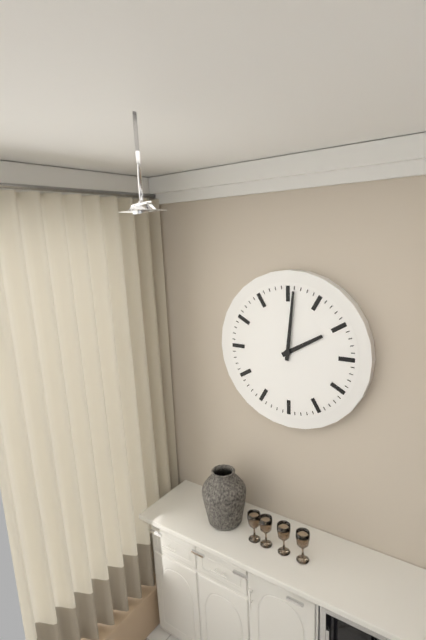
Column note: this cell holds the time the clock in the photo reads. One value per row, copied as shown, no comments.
2:01
